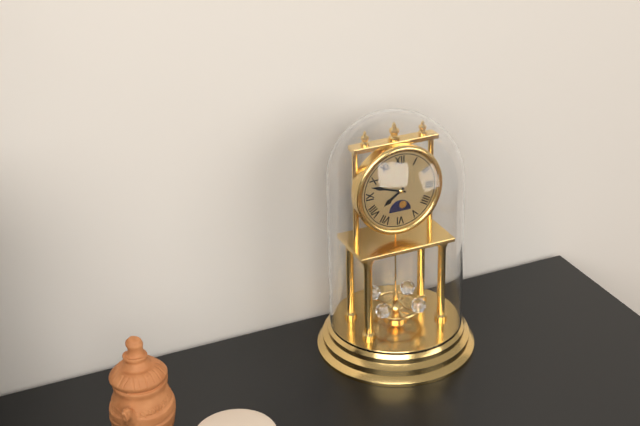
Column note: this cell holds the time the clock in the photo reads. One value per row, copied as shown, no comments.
7:48
